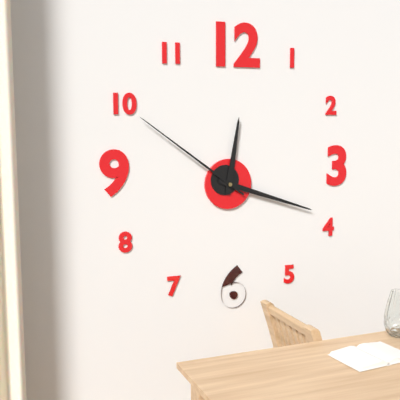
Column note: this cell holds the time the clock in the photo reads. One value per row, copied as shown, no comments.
12:18:51
